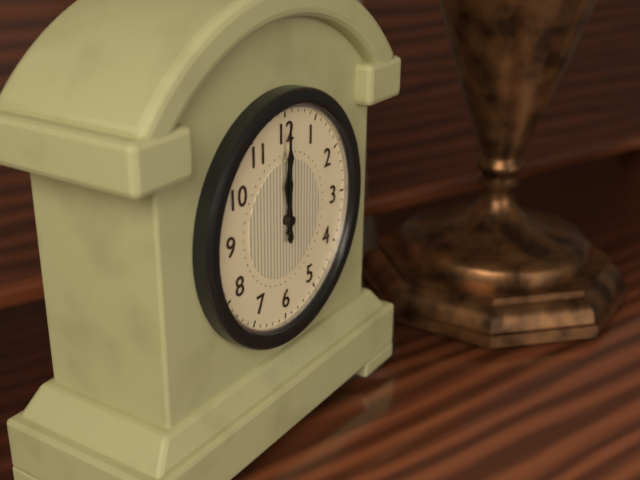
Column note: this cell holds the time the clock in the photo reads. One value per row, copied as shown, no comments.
12:00
